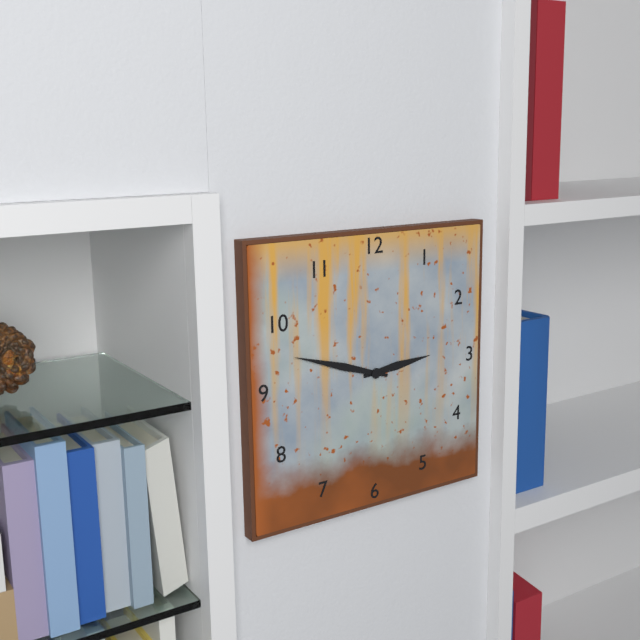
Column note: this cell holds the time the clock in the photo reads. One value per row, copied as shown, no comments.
2:48
